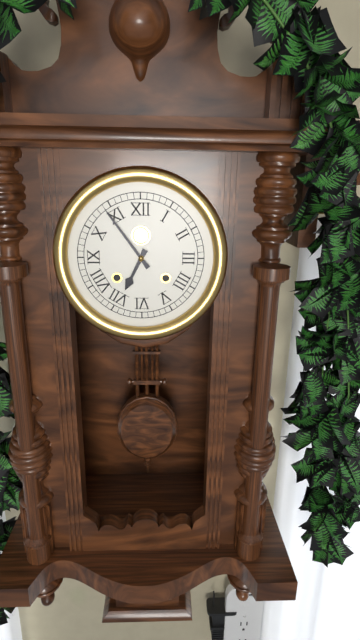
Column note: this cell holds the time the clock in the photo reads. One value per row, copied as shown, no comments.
6:54
